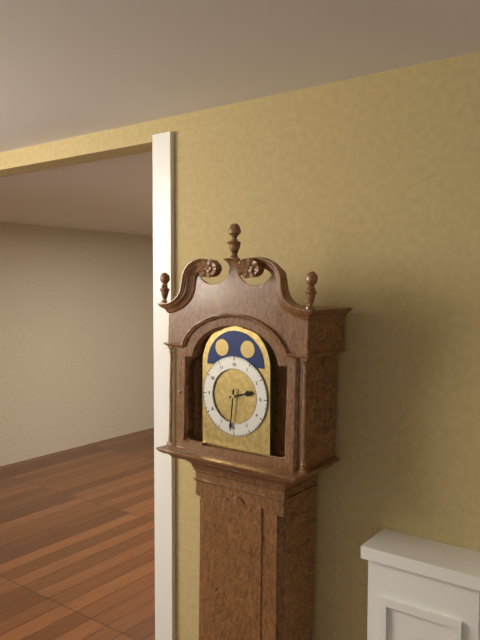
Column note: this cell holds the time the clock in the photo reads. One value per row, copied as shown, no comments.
2:31
